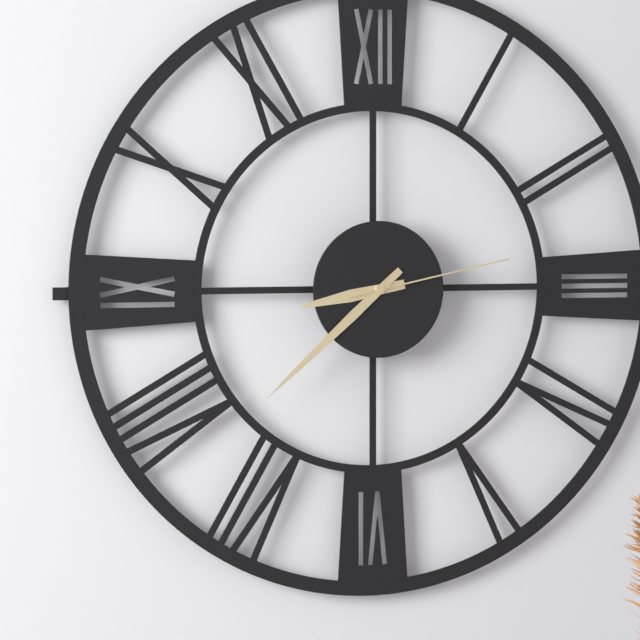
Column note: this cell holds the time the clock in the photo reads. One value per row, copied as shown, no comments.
8:38:13
